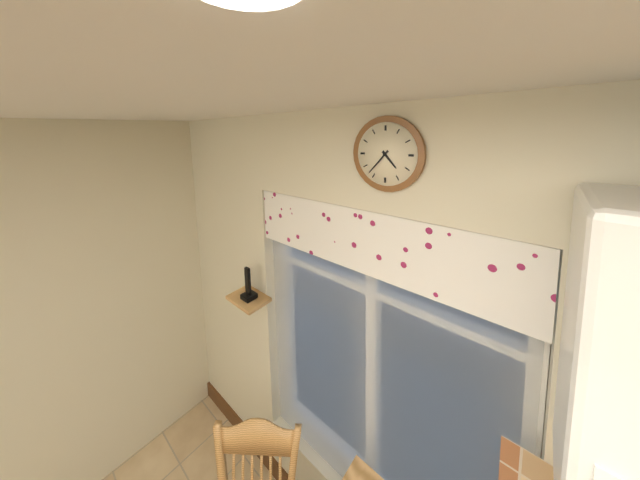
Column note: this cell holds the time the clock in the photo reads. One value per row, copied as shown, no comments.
4:37
